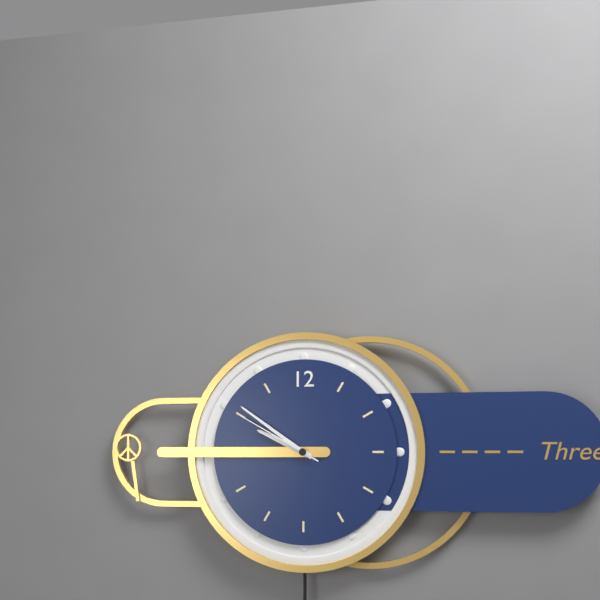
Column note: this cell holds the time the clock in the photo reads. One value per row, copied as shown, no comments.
9:51:50
